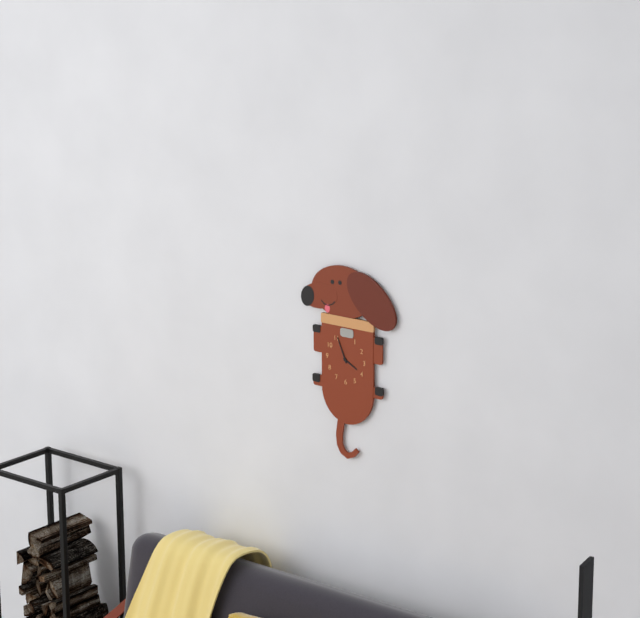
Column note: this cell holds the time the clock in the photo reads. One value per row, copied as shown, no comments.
3:56
